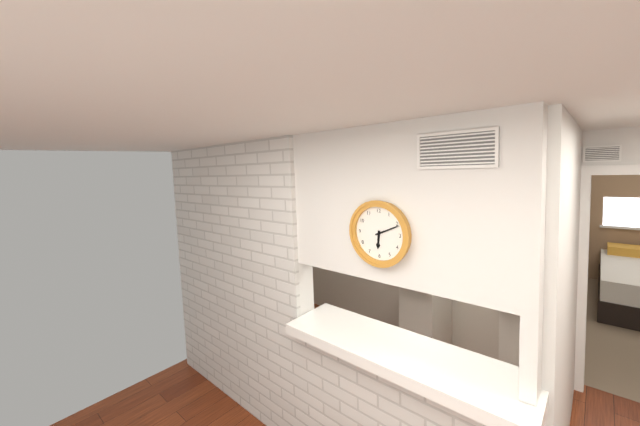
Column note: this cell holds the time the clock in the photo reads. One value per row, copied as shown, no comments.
6:11
